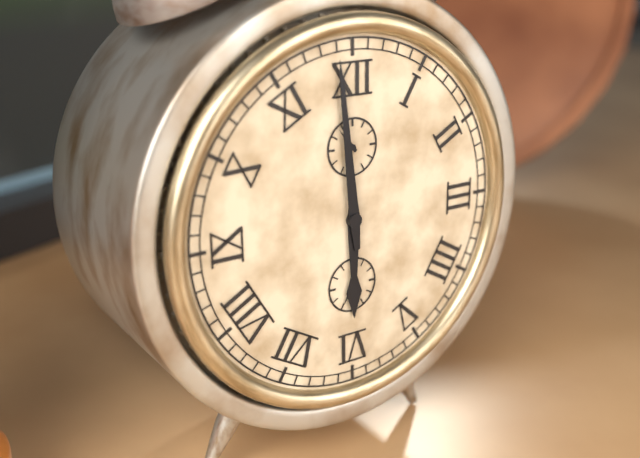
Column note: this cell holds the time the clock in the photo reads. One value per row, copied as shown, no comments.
5:59
